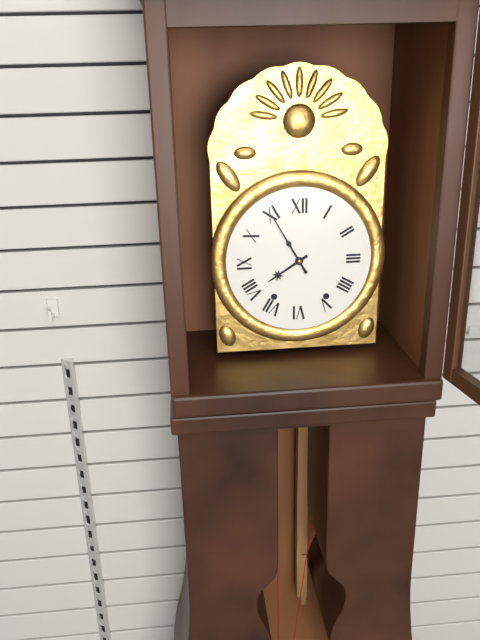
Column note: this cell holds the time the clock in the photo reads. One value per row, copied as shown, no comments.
7:55
